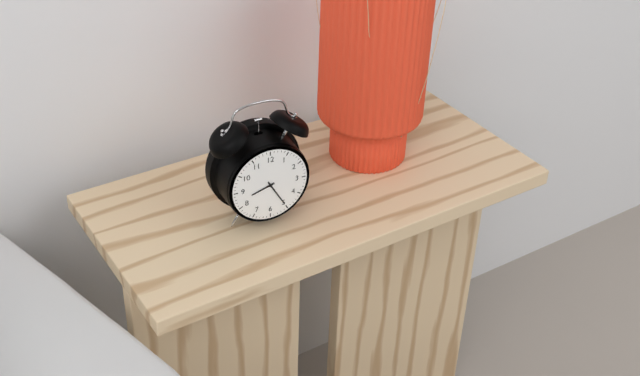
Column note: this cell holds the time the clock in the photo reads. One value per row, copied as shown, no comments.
8:25
